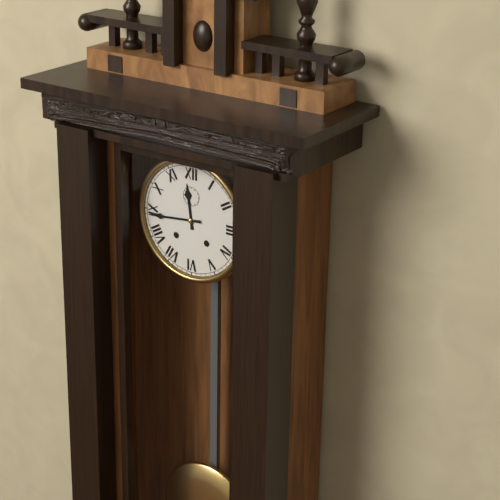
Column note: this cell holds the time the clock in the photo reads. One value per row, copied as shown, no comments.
11:44
